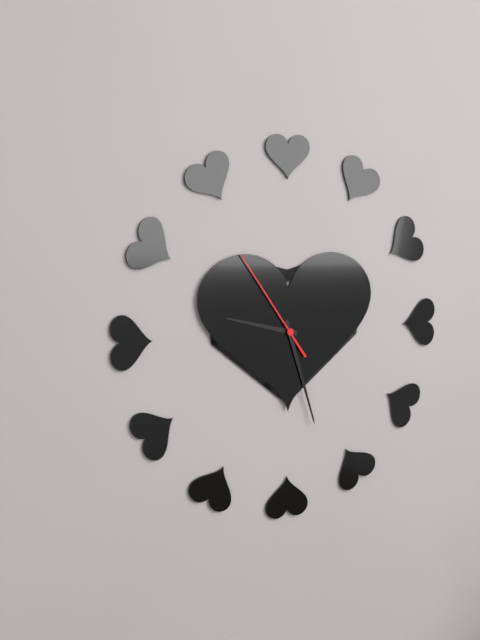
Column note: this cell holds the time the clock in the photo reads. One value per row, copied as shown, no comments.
9:27:54
